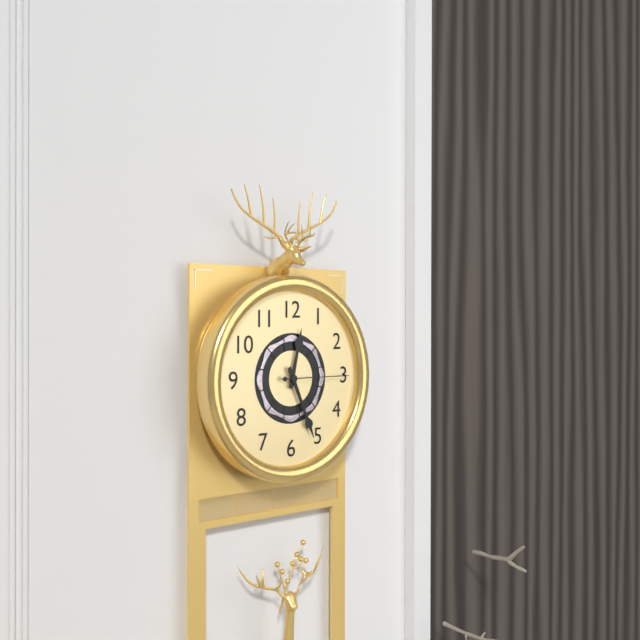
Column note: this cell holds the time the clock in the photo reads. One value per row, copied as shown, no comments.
12:26:15
